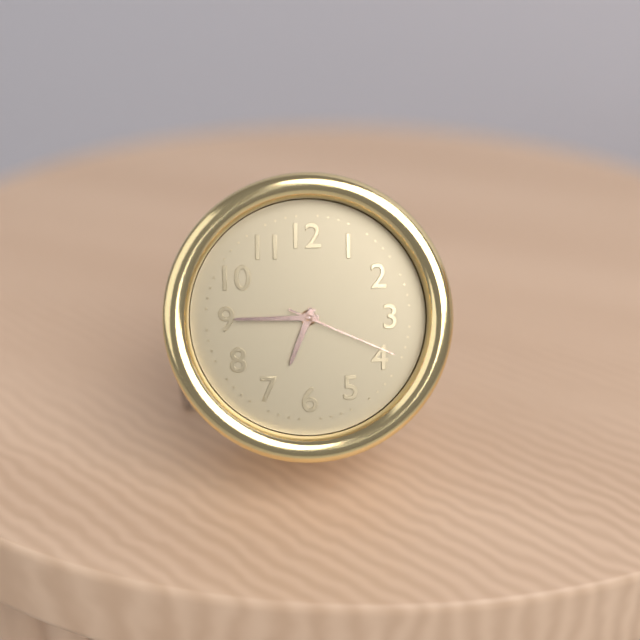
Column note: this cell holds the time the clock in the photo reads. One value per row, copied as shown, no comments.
6:45:19
